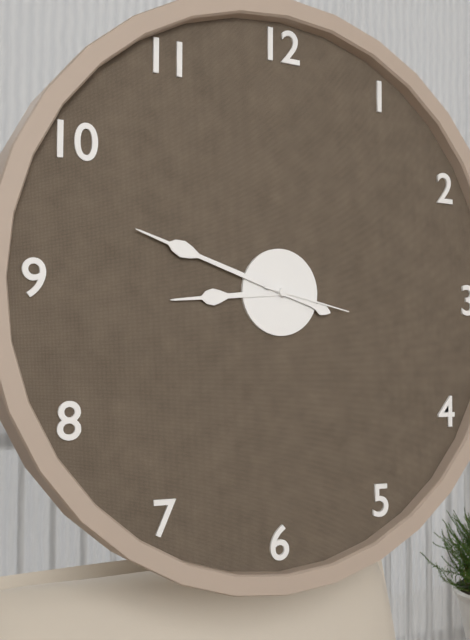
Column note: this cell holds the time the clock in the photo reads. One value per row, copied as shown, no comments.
8:48:17
